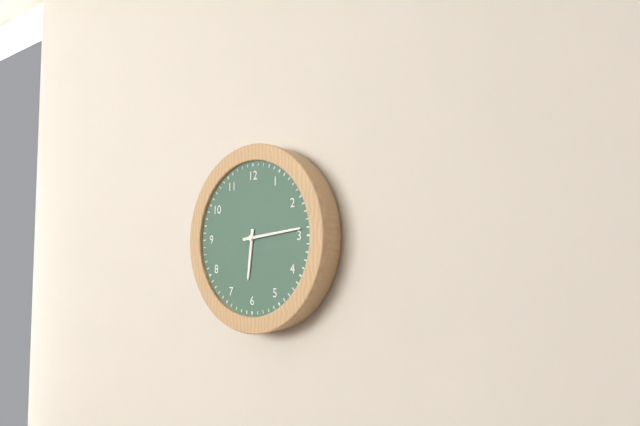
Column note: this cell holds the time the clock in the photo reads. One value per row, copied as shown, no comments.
6:14
